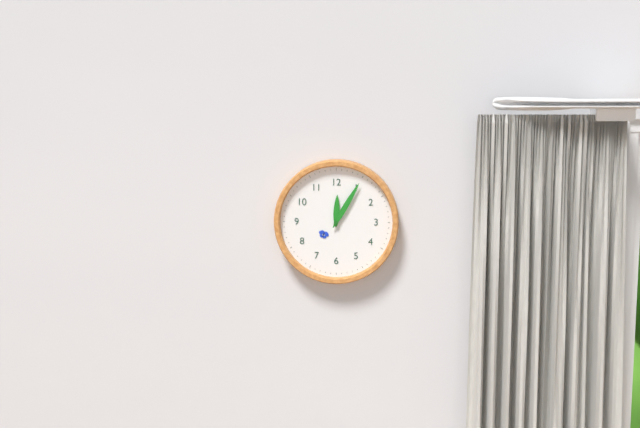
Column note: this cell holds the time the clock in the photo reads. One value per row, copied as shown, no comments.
12:05
